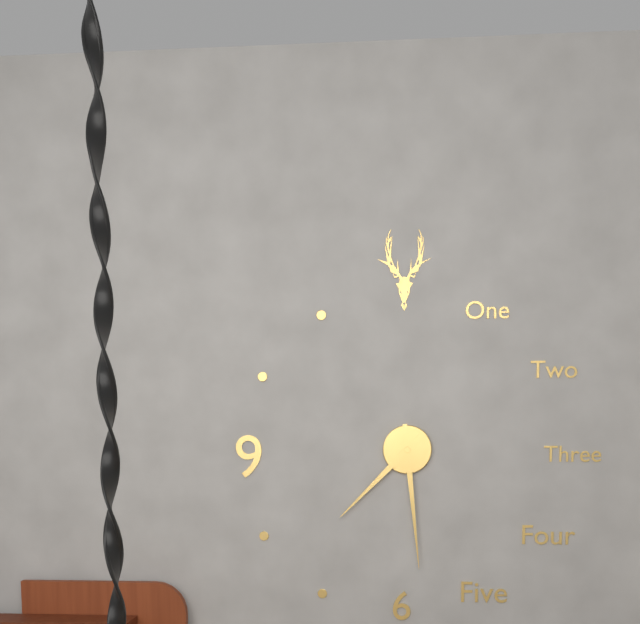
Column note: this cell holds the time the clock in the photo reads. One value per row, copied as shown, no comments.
7:29
